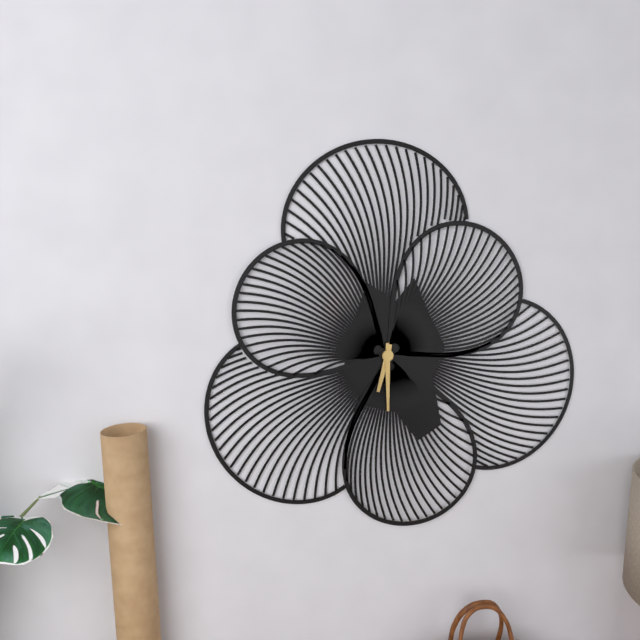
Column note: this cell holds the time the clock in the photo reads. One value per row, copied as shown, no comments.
6:30
